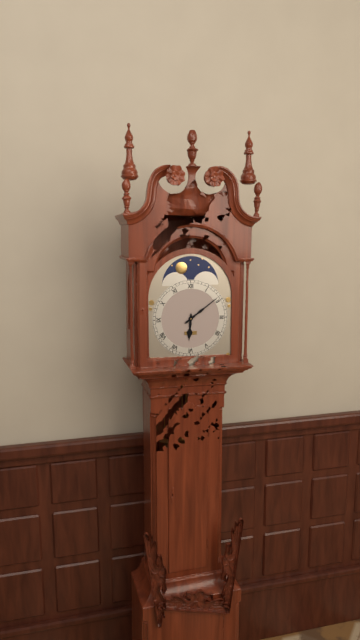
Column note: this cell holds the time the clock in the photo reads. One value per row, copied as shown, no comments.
6:09
